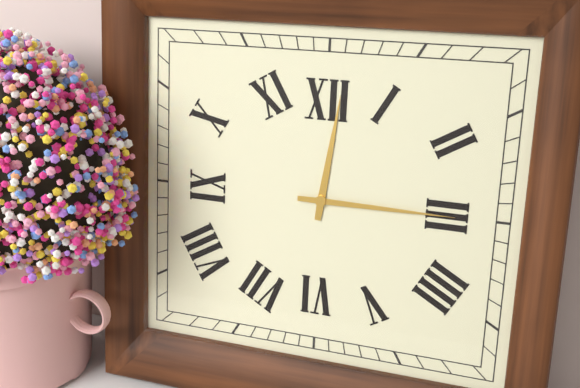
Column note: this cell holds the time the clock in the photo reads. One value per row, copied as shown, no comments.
12:15
